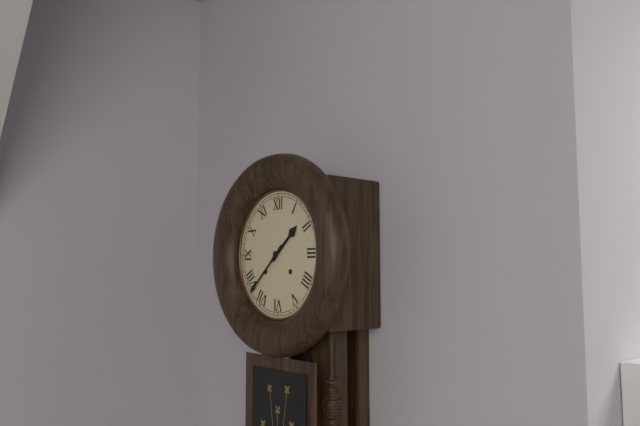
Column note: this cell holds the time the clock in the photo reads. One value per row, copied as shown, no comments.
1:38
